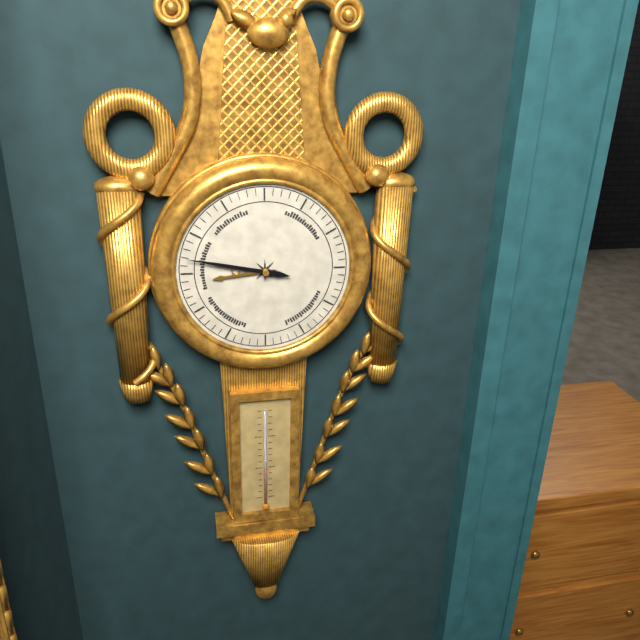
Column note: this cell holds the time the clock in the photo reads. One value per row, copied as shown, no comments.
8:47
